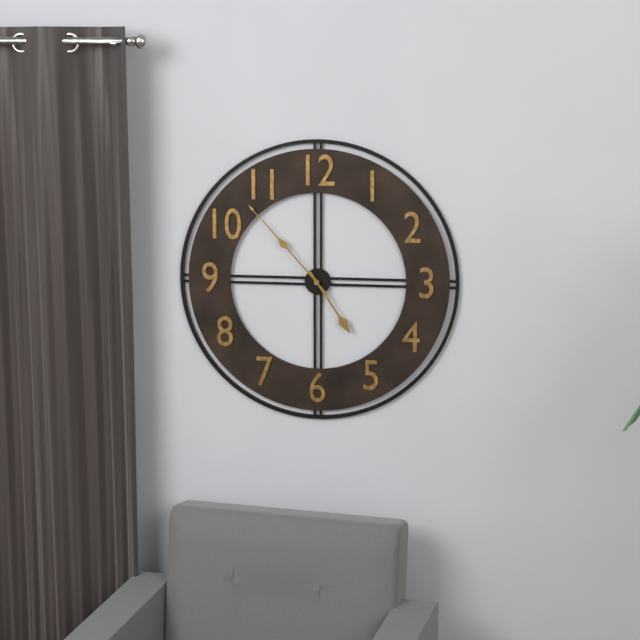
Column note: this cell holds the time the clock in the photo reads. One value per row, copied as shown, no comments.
4:53:53
